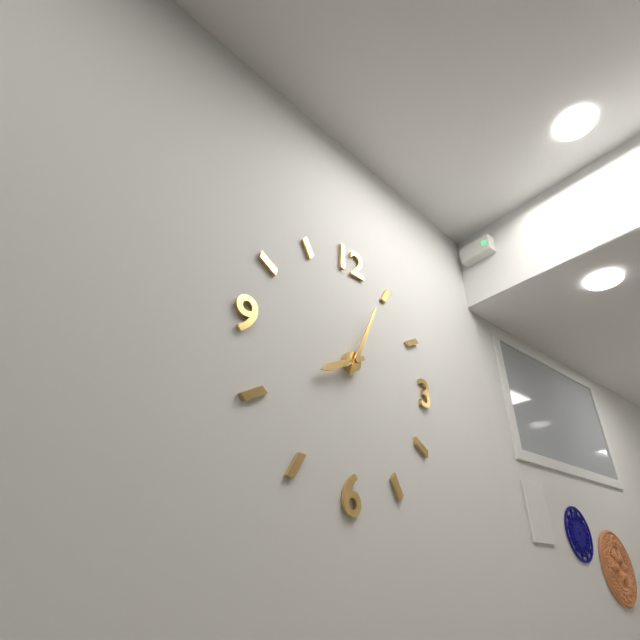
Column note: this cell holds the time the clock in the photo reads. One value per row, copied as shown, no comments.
8:04
